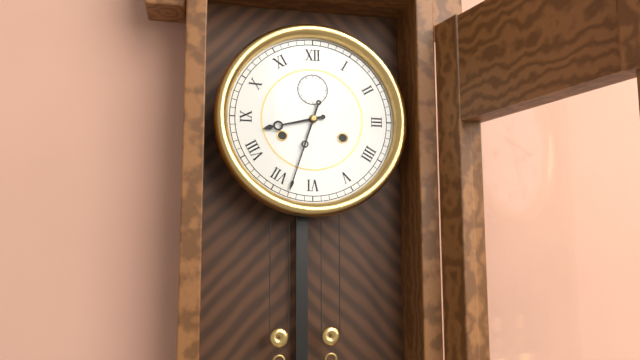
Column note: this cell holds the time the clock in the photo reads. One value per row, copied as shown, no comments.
8:33
